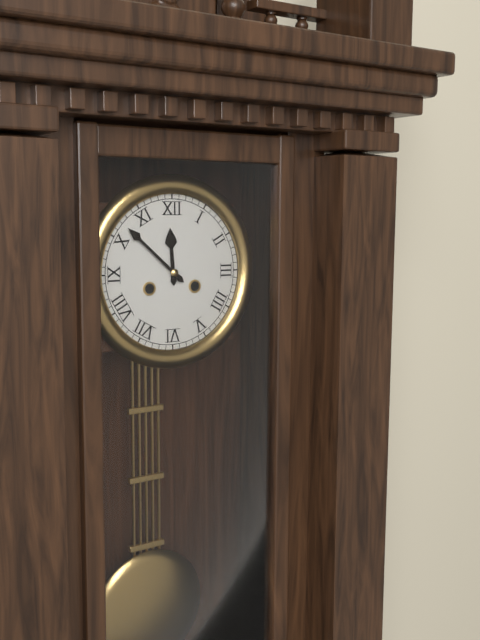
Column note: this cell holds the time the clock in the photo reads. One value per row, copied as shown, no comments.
11:52
